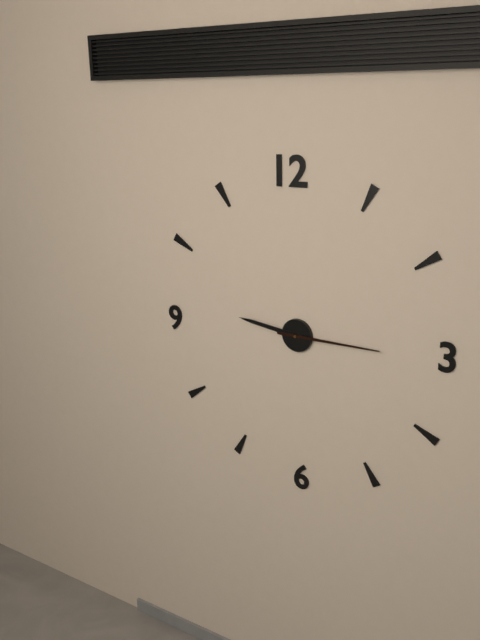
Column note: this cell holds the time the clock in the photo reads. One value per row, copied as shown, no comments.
9:15
